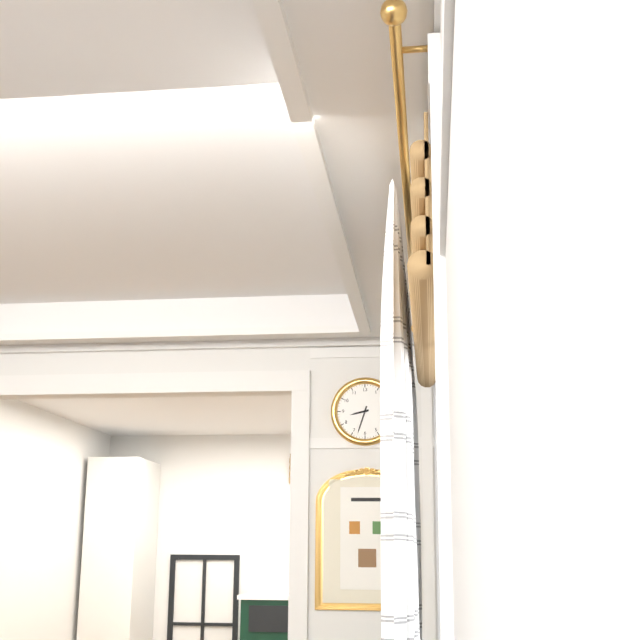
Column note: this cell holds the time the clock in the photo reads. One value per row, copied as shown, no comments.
8:33
